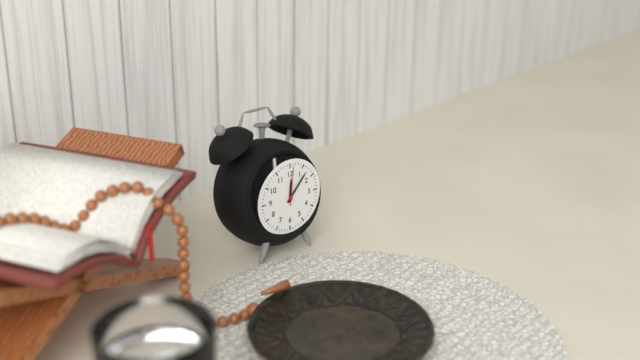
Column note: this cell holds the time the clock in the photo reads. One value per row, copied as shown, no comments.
12:07
